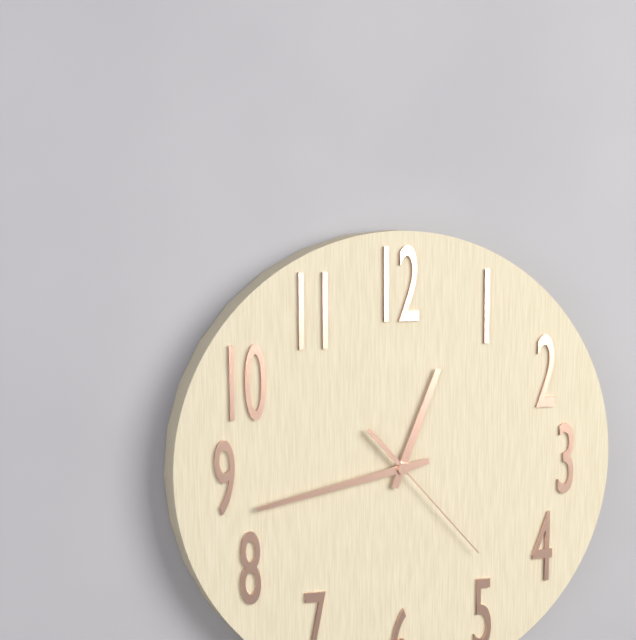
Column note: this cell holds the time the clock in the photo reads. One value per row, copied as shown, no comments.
12:43:23
